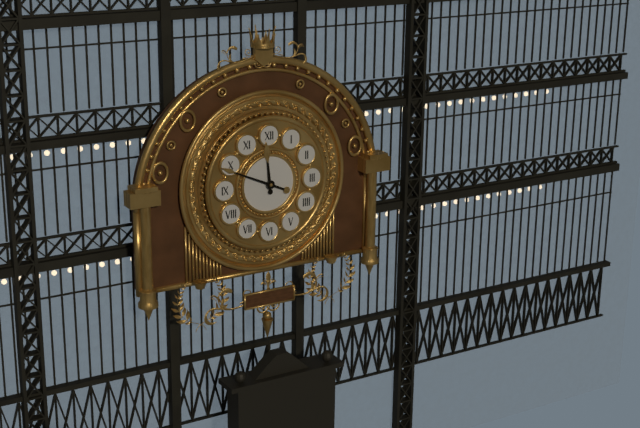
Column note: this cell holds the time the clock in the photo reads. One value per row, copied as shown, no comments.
11:49
